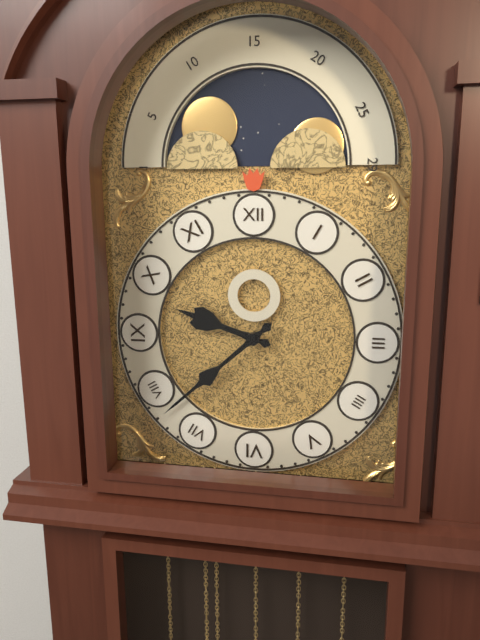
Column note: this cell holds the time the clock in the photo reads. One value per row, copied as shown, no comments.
9:38
